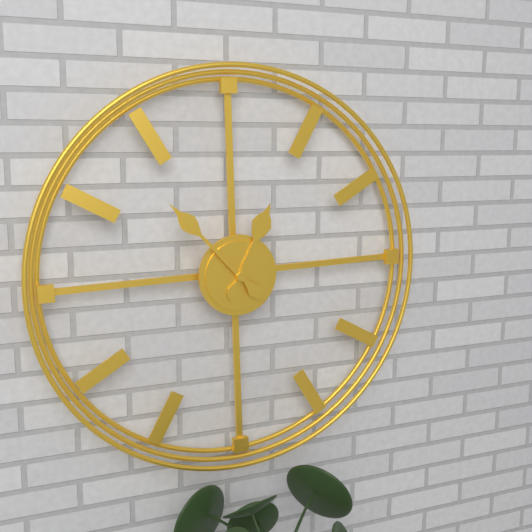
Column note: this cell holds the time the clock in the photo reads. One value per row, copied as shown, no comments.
12:53
